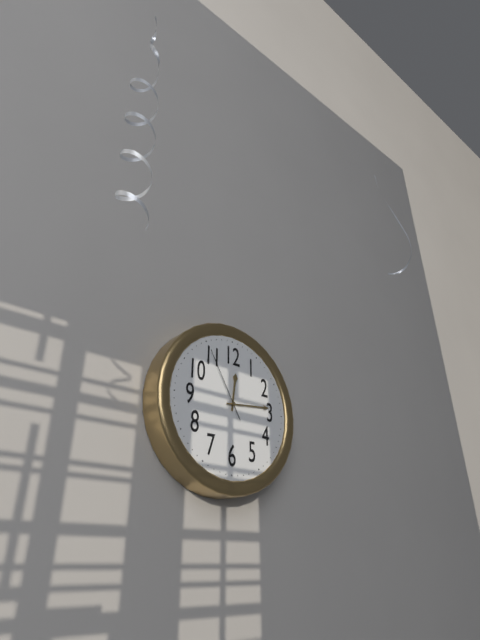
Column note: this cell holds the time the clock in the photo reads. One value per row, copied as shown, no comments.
12:14:55
